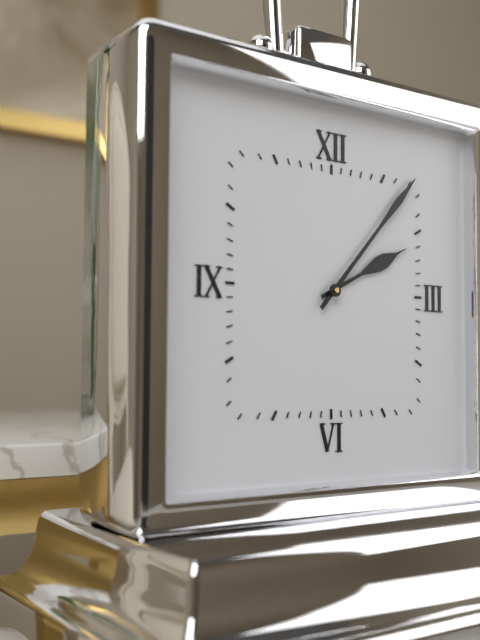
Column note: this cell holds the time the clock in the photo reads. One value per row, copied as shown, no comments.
2:07
